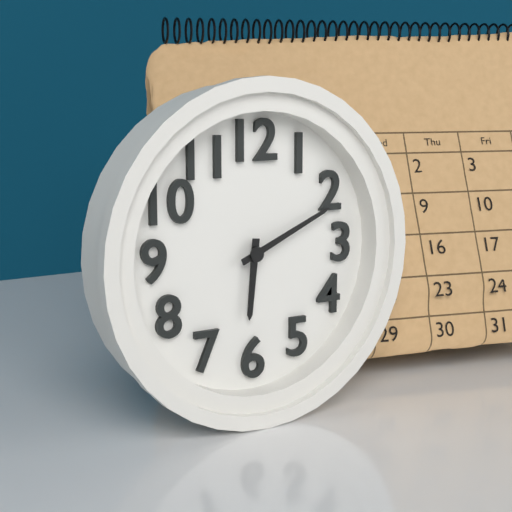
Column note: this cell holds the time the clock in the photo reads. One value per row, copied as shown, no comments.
6:11
